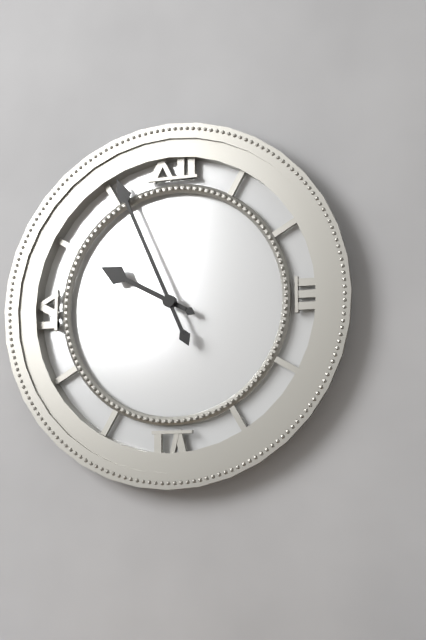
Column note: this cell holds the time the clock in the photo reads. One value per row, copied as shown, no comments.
9:56
